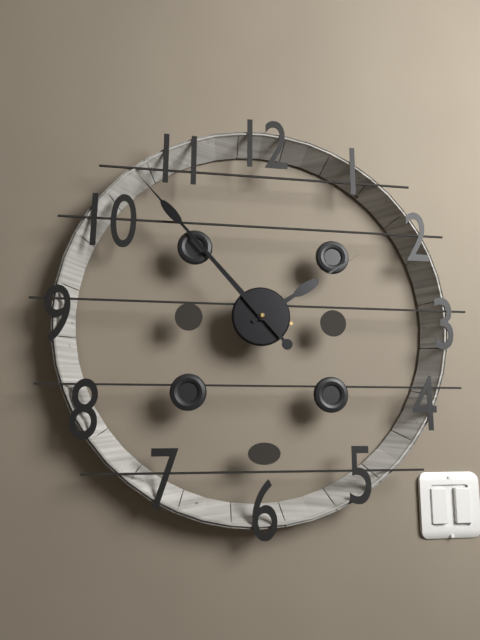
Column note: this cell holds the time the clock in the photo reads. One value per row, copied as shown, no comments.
1:53
